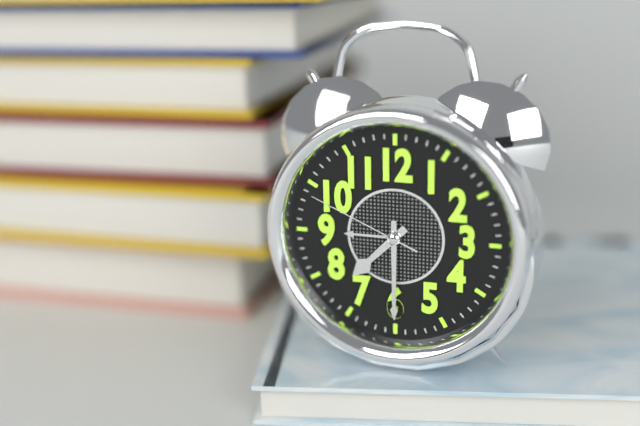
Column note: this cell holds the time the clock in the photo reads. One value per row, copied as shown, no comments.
7:30:49
